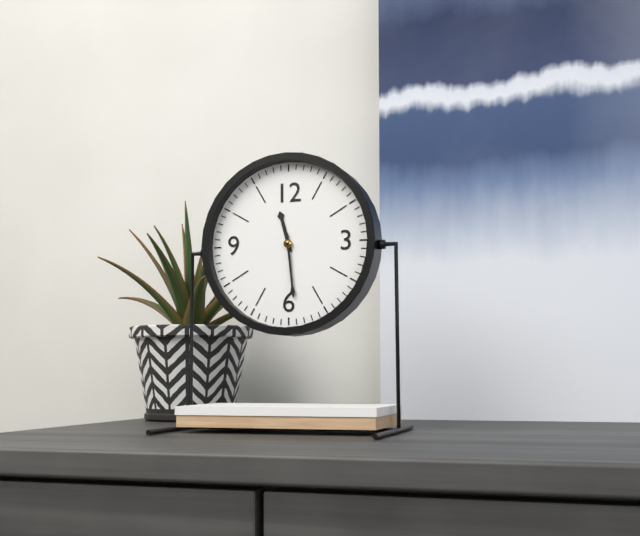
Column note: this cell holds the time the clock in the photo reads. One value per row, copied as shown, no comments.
11:29
